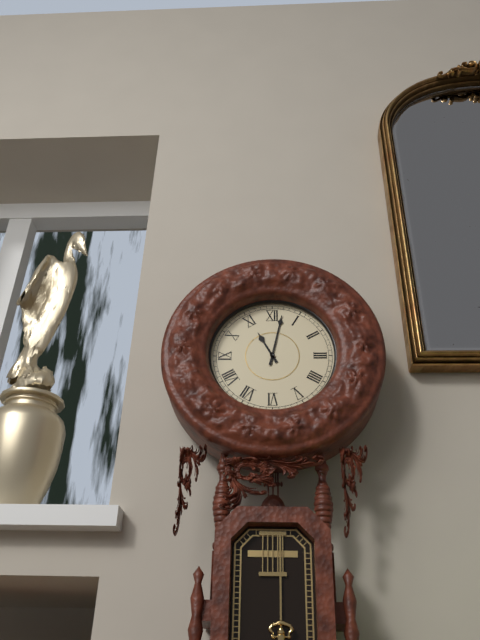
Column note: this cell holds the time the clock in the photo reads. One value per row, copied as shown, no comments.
11:02
